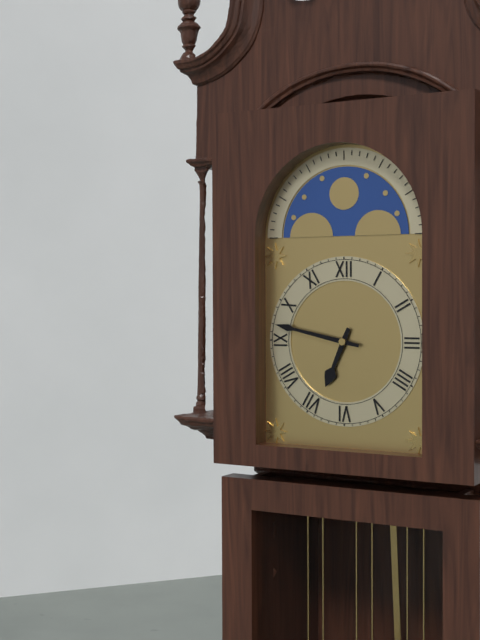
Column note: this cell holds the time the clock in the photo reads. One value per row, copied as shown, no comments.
6:47
